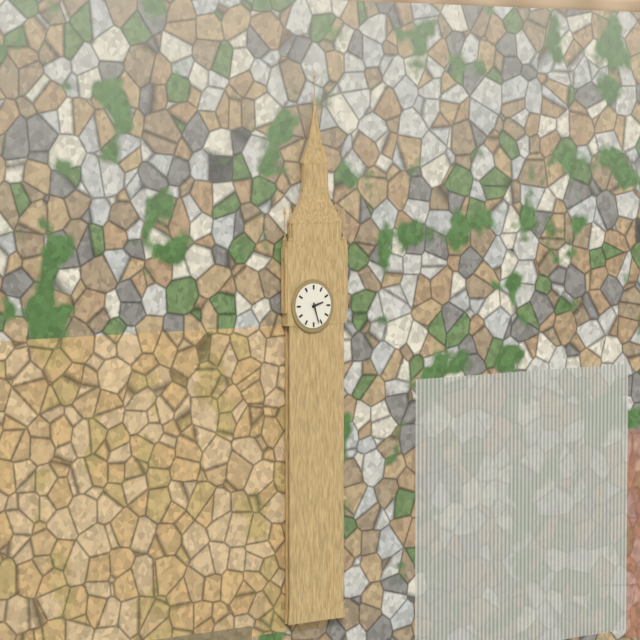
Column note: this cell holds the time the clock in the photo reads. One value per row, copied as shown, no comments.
2:27
